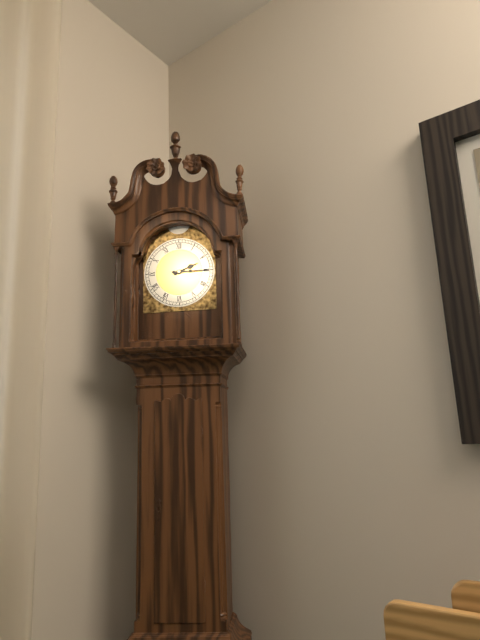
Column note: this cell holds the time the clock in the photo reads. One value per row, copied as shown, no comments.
2:15
